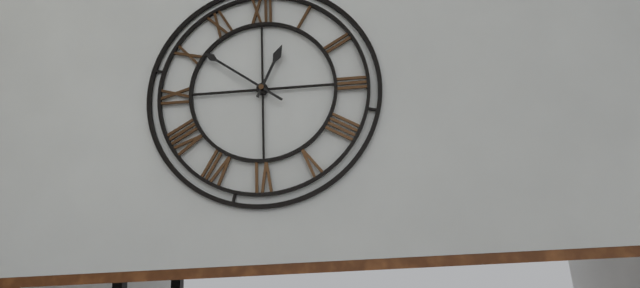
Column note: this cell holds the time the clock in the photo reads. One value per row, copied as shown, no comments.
12:51
